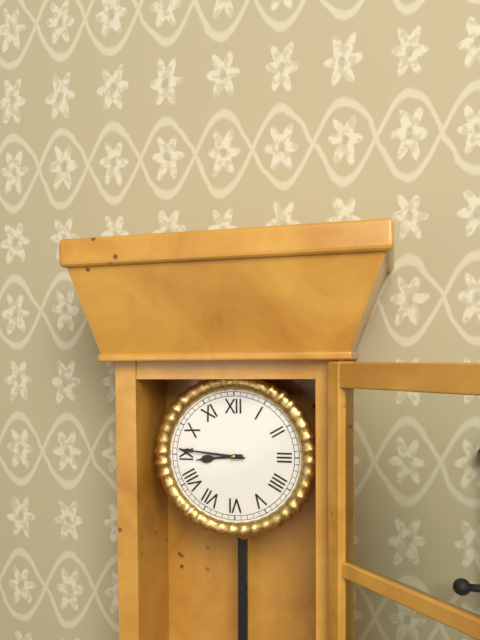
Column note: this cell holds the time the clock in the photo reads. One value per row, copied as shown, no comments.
8:46
